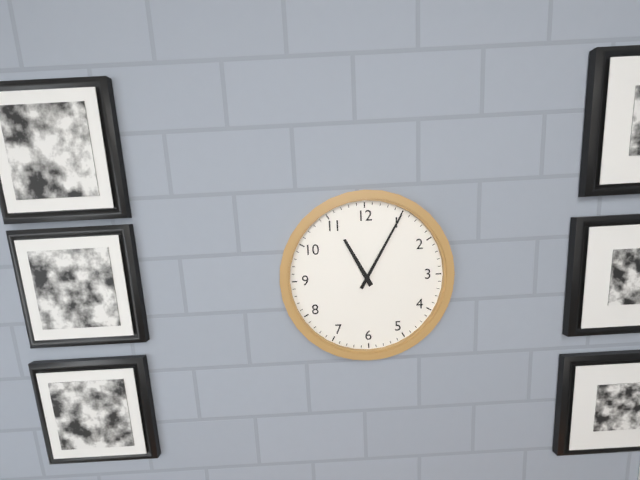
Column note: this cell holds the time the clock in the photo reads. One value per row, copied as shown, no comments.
11:05
